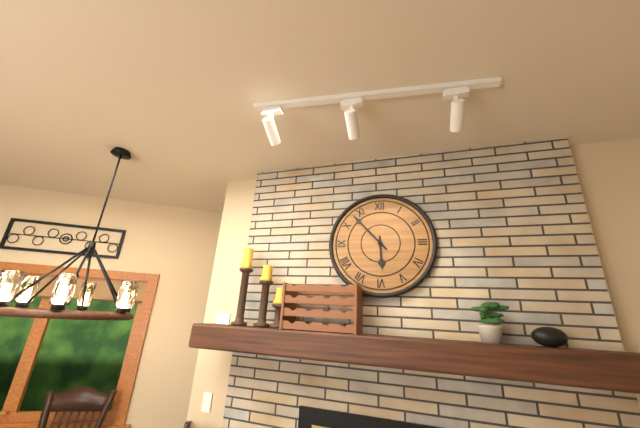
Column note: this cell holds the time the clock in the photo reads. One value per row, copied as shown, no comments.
5:53
